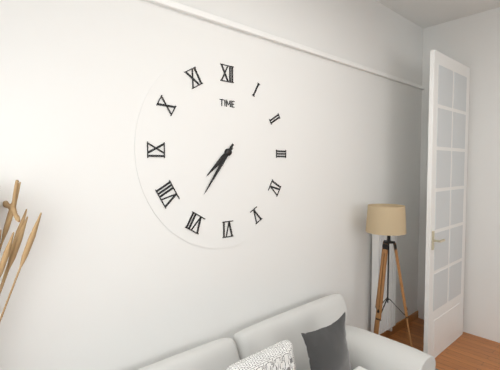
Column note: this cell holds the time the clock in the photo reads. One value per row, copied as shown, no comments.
7:36
